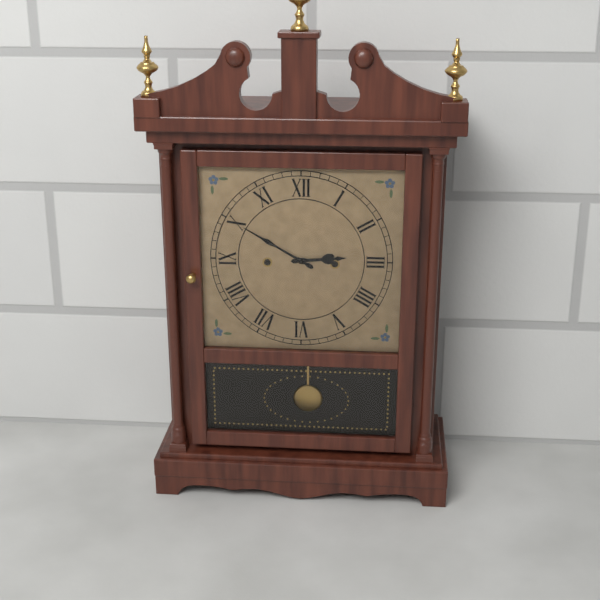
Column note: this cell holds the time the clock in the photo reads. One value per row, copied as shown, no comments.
2:50
